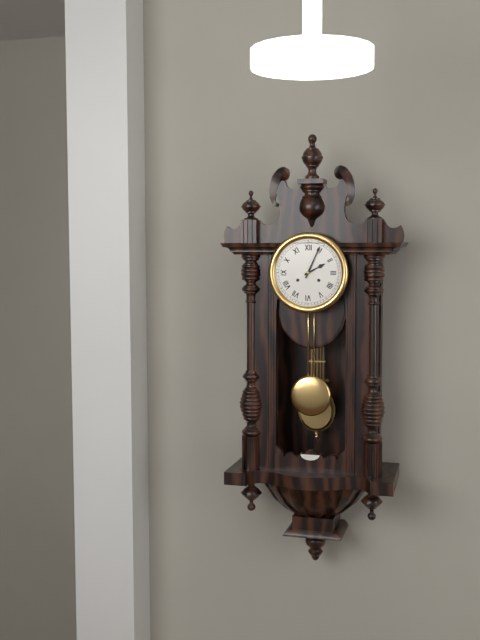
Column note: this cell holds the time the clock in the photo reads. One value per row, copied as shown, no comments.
2:04
